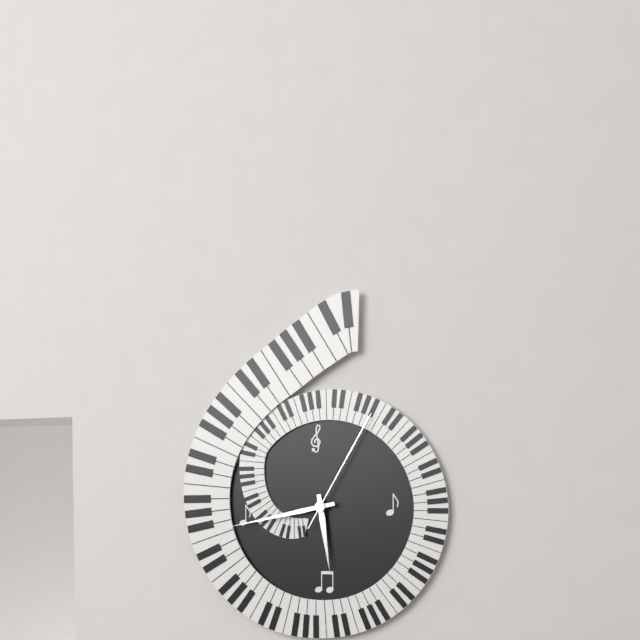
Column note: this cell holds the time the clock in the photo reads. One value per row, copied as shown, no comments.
5:43:05
